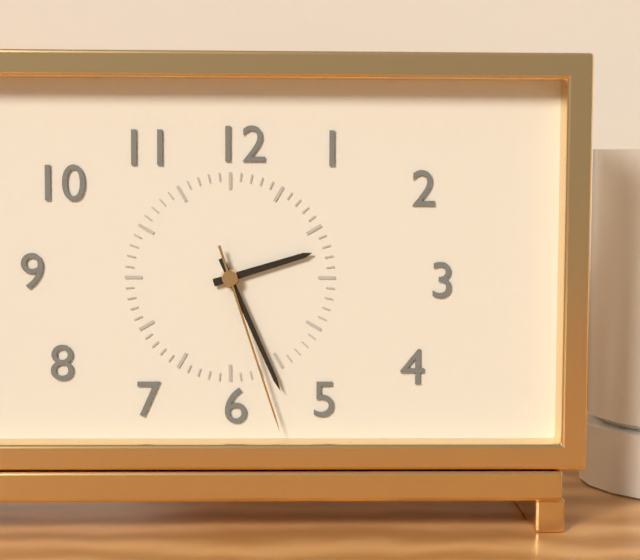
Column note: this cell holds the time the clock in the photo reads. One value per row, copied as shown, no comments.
2:26:27
